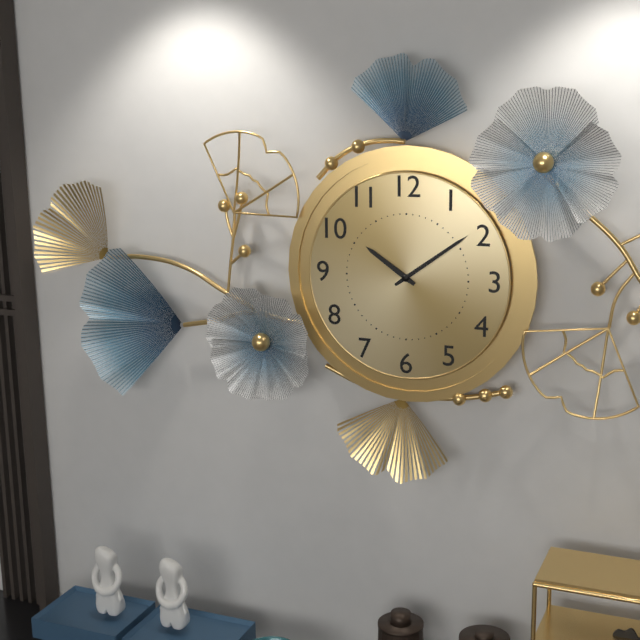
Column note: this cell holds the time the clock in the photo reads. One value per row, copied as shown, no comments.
10:09
